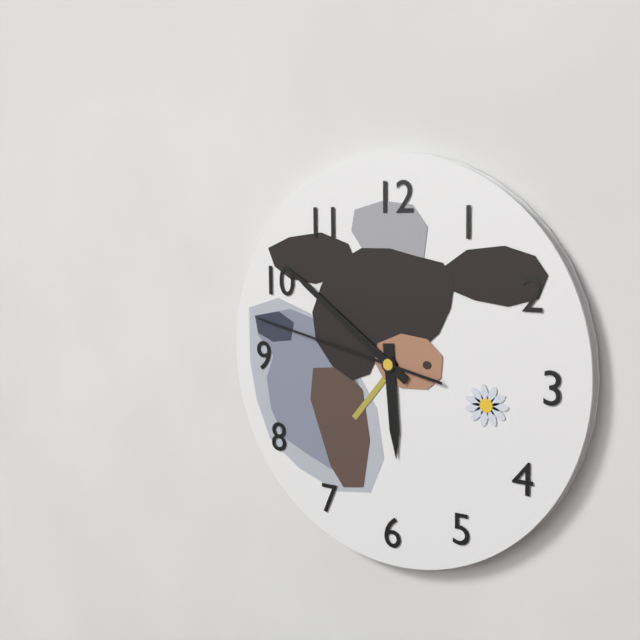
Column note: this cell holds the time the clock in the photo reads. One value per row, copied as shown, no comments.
5:51:47
